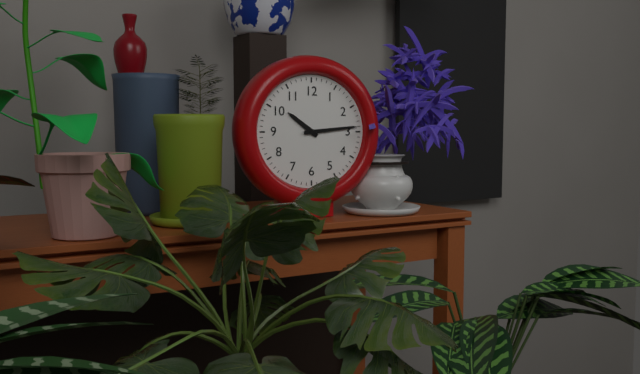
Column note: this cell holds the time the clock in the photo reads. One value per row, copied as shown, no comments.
10:14
